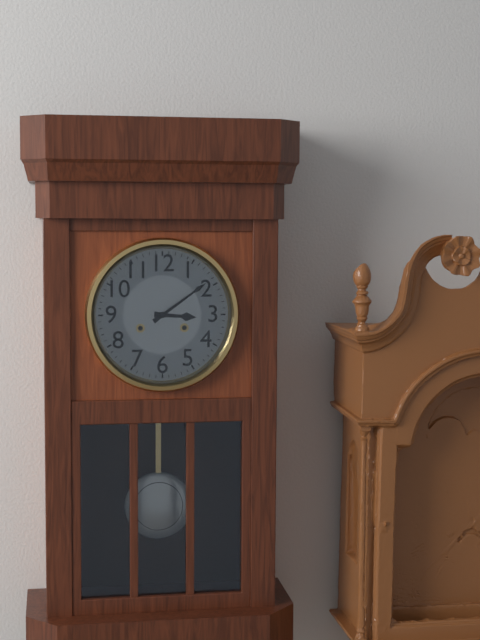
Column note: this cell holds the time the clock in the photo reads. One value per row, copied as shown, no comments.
3:09
